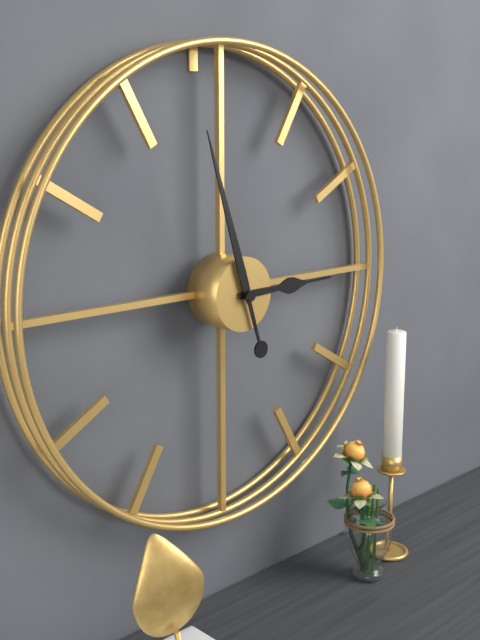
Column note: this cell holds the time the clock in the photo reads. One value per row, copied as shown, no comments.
2:57
